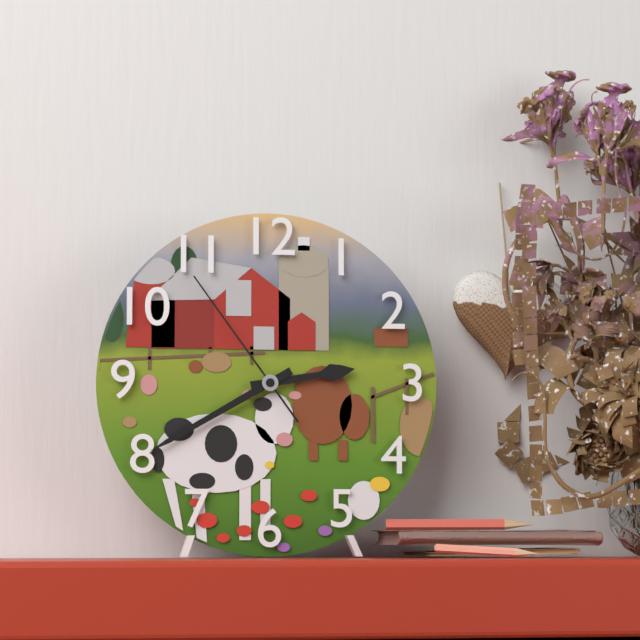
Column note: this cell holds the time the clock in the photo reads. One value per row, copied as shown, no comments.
2:40:54
